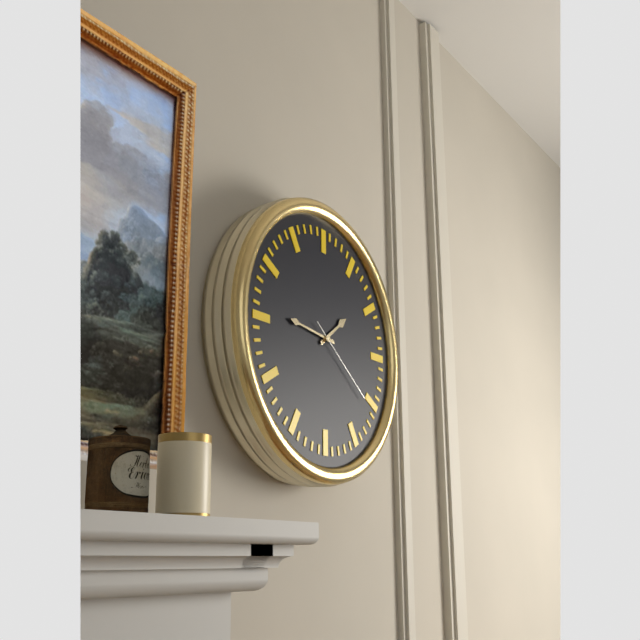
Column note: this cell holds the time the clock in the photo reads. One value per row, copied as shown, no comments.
1:46:21
